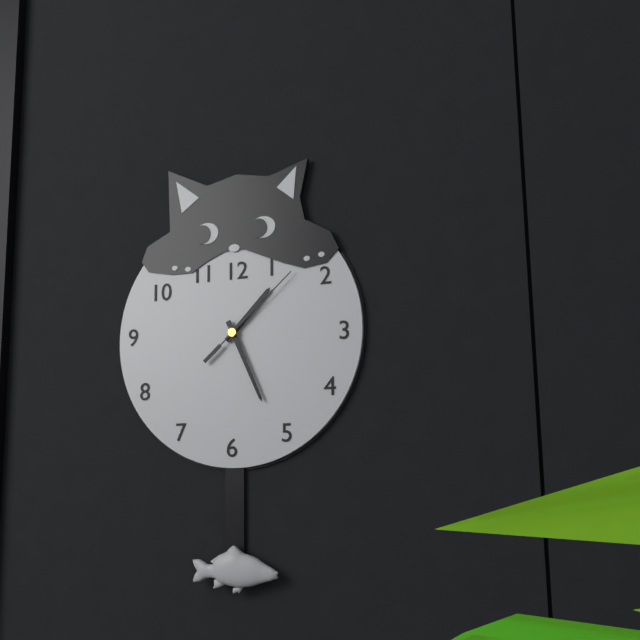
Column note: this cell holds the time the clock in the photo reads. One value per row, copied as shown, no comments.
1:26:08
